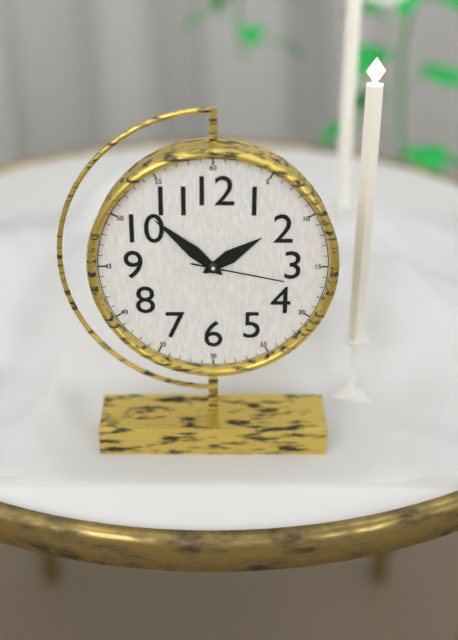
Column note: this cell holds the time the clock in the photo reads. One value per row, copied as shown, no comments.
1:52:17
